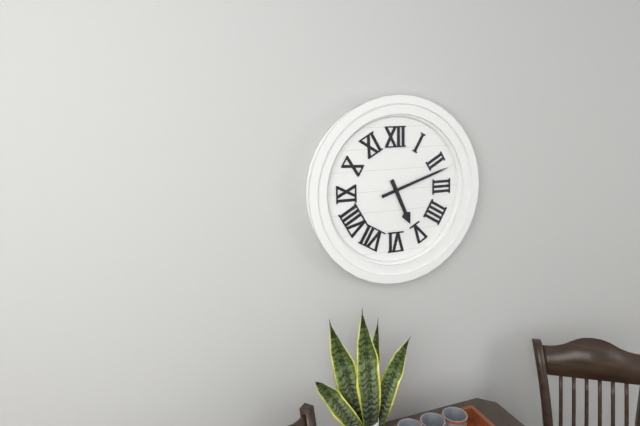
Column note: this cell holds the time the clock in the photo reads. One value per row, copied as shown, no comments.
5:12
